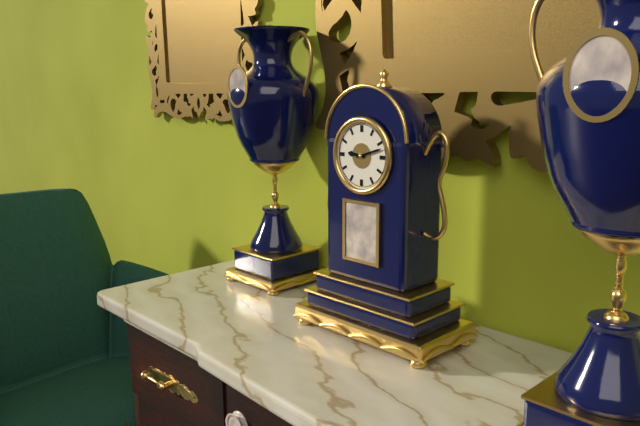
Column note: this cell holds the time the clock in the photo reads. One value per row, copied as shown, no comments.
9:12
